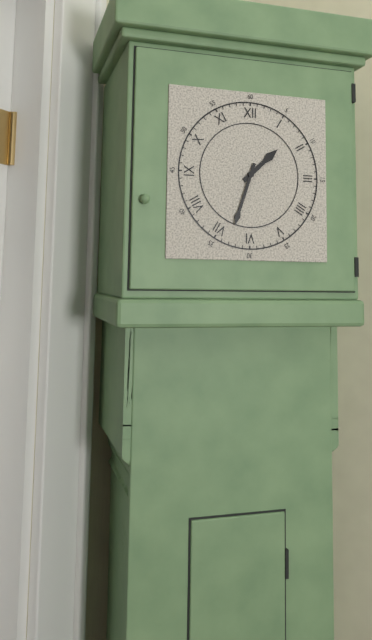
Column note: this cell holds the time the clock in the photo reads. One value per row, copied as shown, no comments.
1:33
